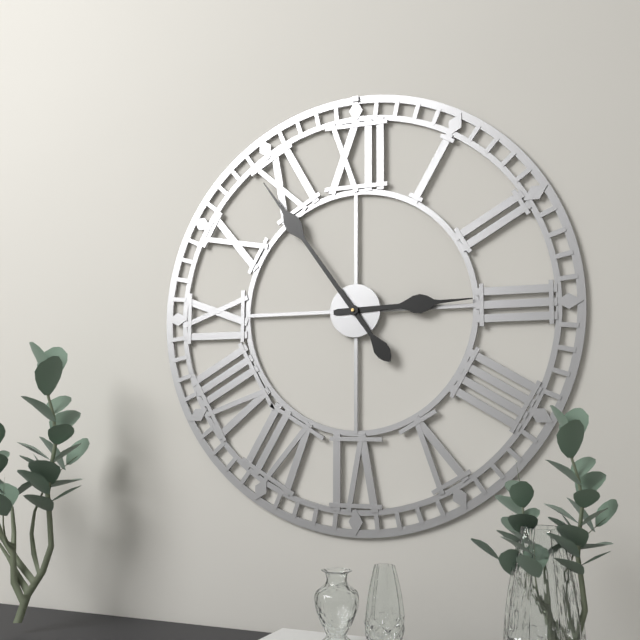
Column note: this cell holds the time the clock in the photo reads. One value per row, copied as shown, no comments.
2:54
